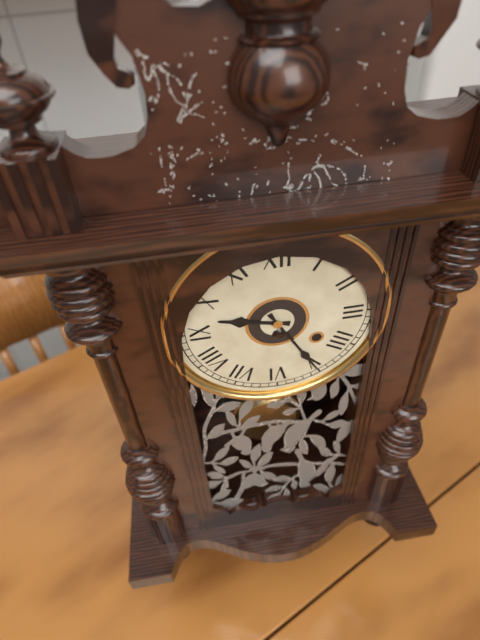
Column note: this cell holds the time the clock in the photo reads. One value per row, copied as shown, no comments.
9:25
